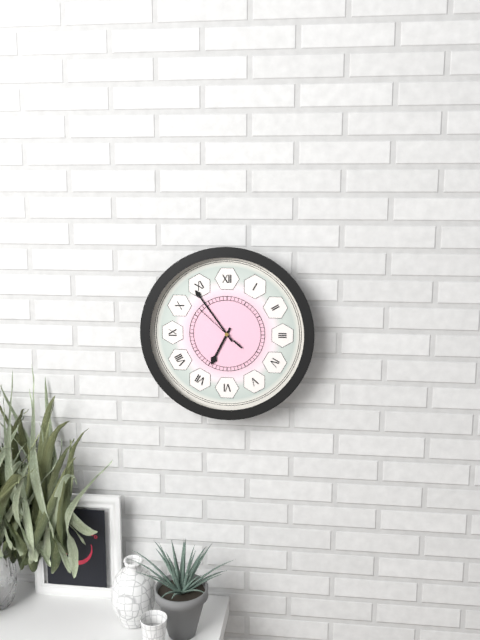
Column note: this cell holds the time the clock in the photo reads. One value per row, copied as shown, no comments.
6:54
